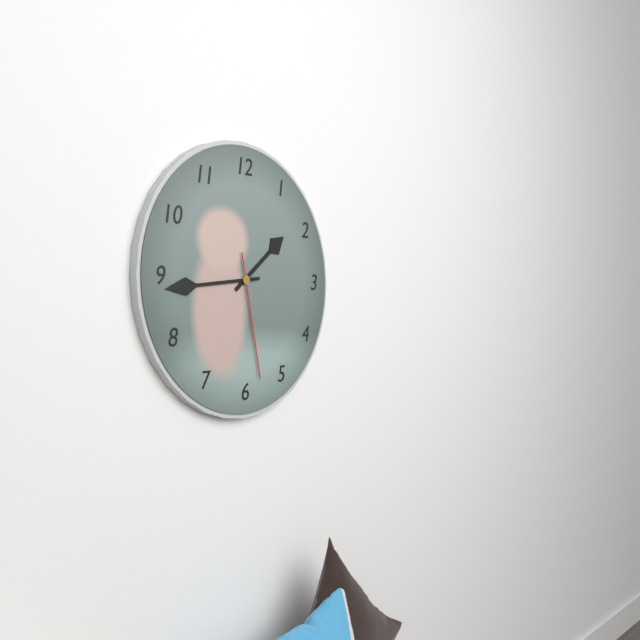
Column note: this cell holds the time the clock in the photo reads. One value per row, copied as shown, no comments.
1:44:28
